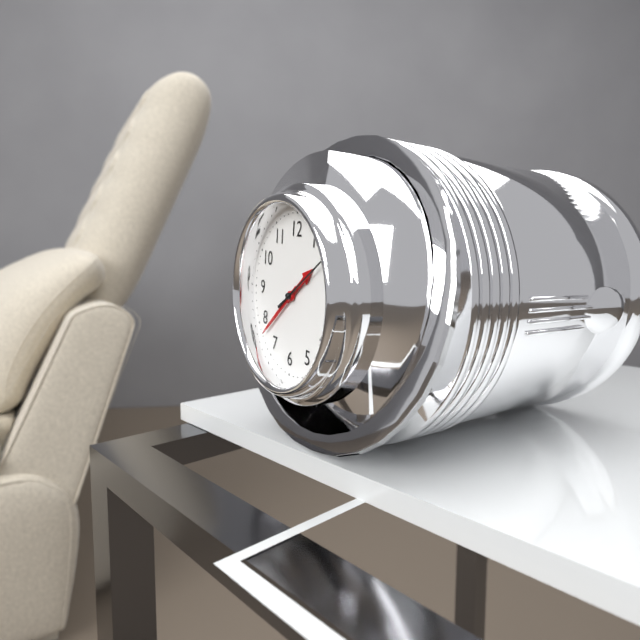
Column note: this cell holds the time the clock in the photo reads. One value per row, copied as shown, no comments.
1:38:09
